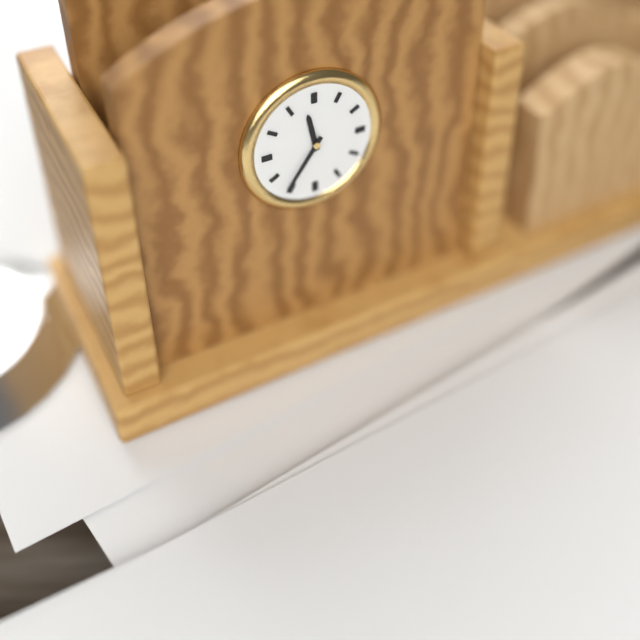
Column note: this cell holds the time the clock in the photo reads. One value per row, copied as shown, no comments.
11:36
